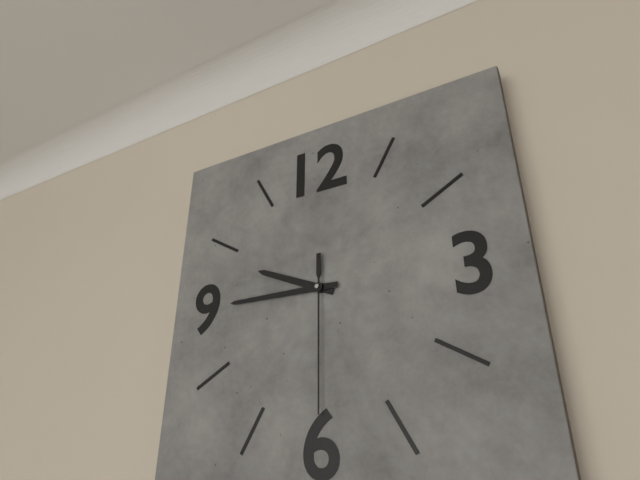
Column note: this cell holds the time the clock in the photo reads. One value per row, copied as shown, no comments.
9:45:30
